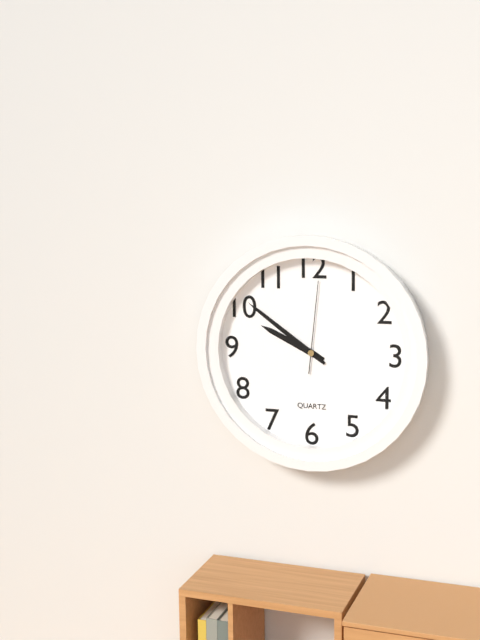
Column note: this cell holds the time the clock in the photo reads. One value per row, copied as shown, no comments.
9:51:01
